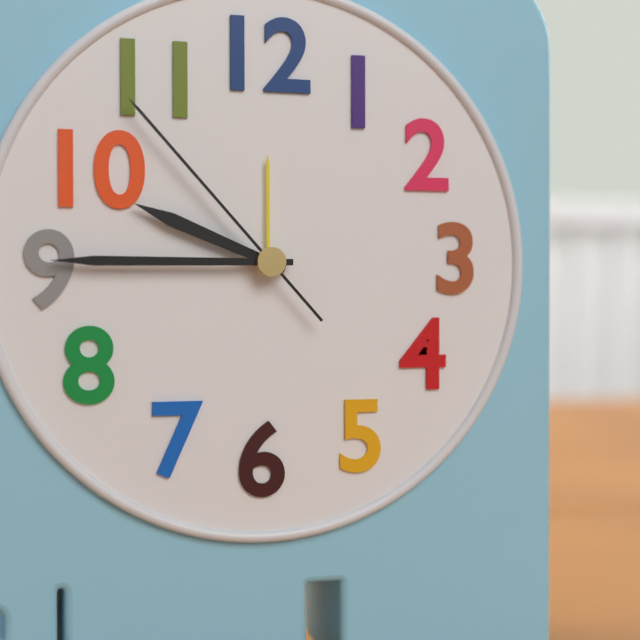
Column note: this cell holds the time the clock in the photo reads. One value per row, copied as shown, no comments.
9:45:53
